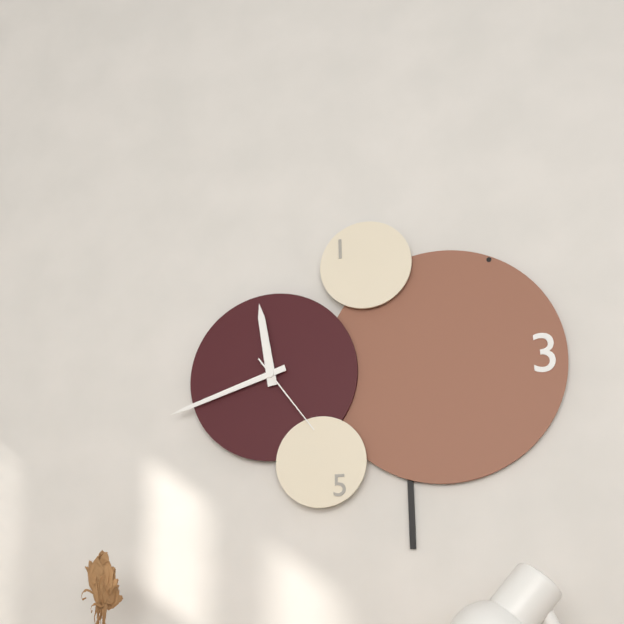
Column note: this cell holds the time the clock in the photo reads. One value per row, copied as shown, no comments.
11:42:24
